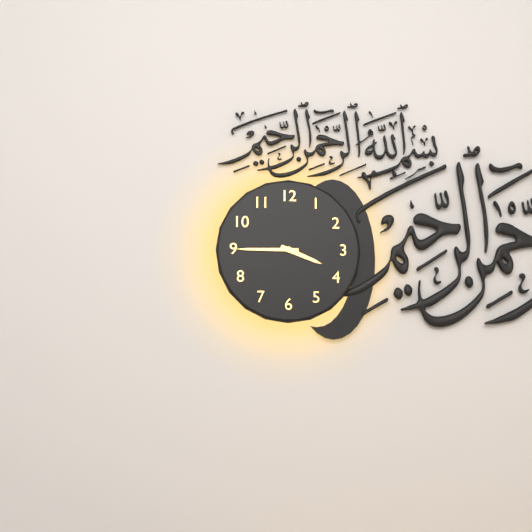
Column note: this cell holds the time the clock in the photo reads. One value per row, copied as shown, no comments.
3:45
